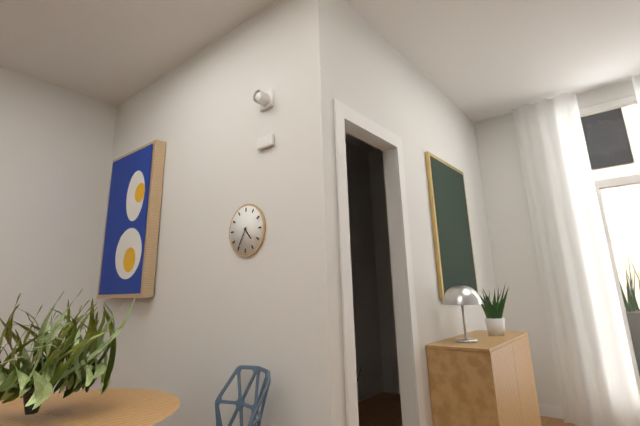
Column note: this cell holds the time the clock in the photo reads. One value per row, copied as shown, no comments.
4:35
